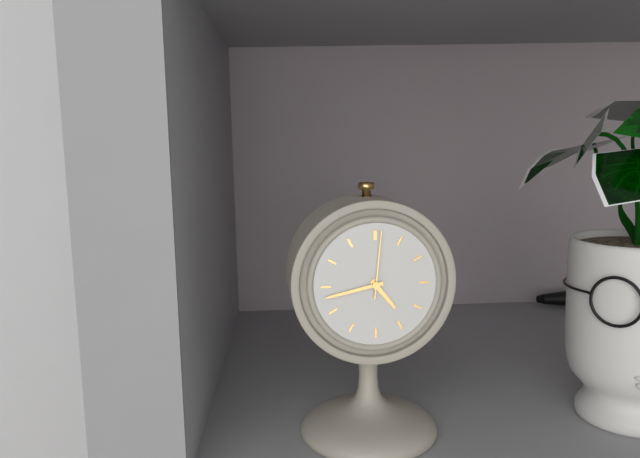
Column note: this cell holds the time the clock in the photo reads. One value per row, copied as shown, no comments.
4:43:01
